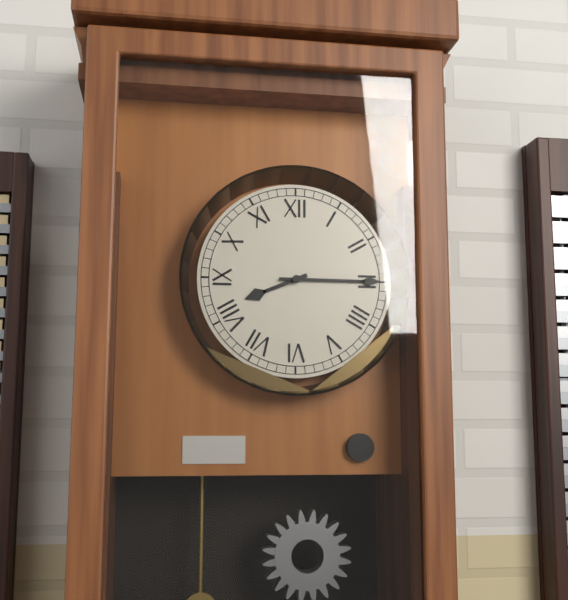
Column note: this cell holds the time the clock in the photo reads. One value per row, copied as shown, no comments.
8:15
